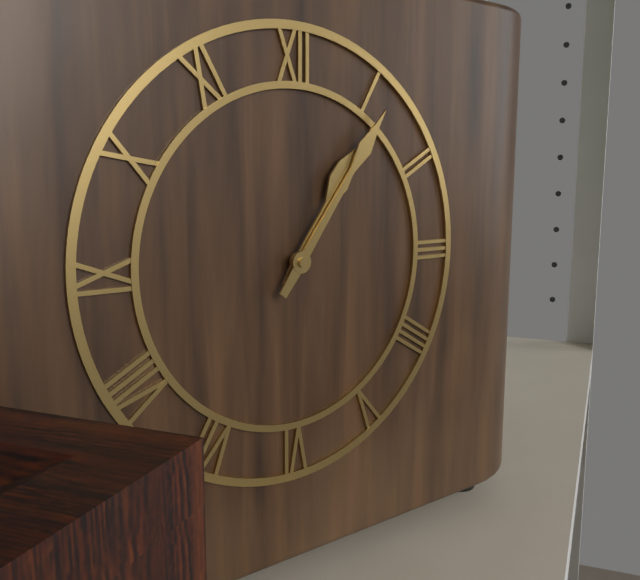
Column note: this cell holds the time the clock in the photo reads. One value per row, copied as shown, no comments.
1:06
